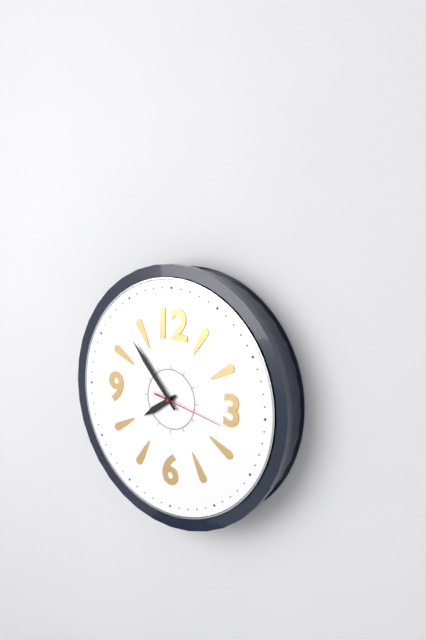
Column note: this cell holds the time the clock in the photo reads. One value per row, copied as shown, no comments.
7:53:17
